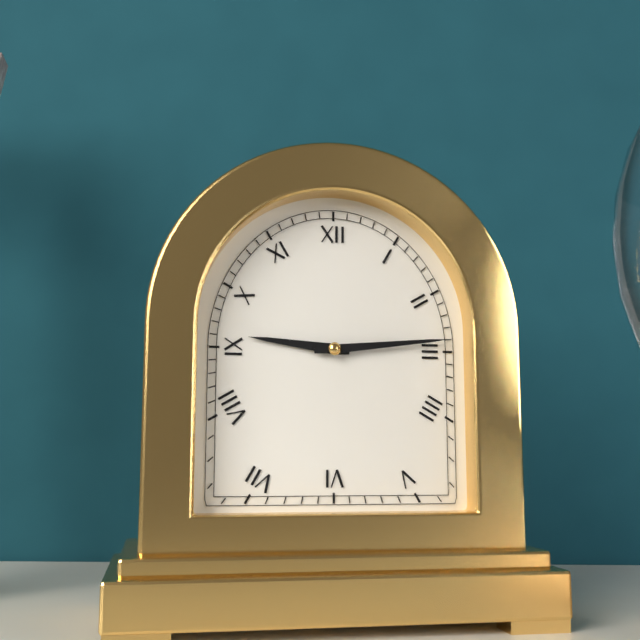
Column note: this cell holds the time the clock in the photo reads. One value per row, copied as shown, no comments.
9:14
